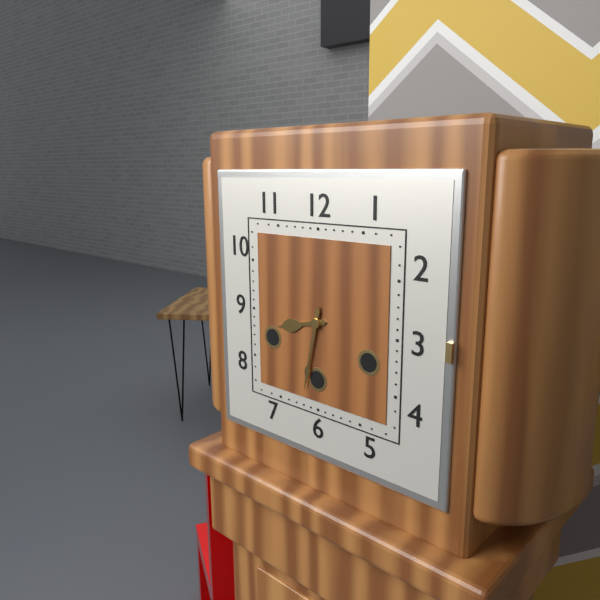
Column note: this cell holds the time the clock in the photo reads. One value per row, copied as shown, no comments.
8:32
